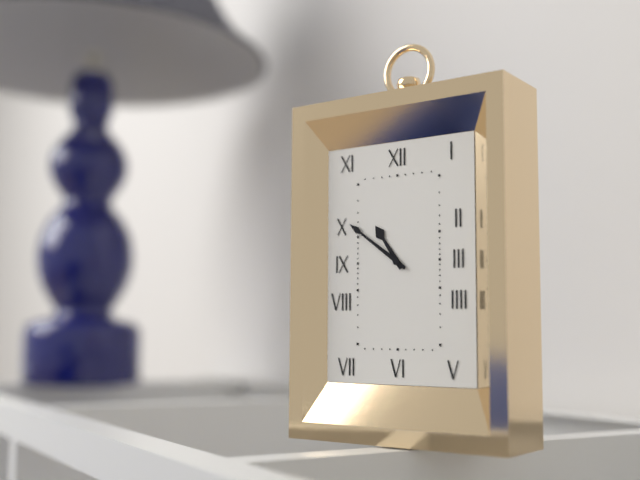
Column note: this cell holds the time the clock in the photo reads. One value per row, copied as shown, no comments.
10:51
